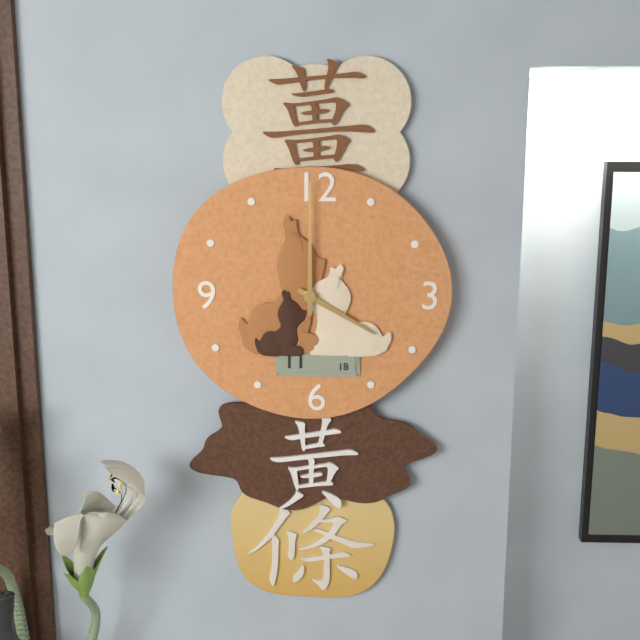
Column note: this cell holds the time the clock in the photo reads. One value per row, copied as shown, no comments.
4:00
